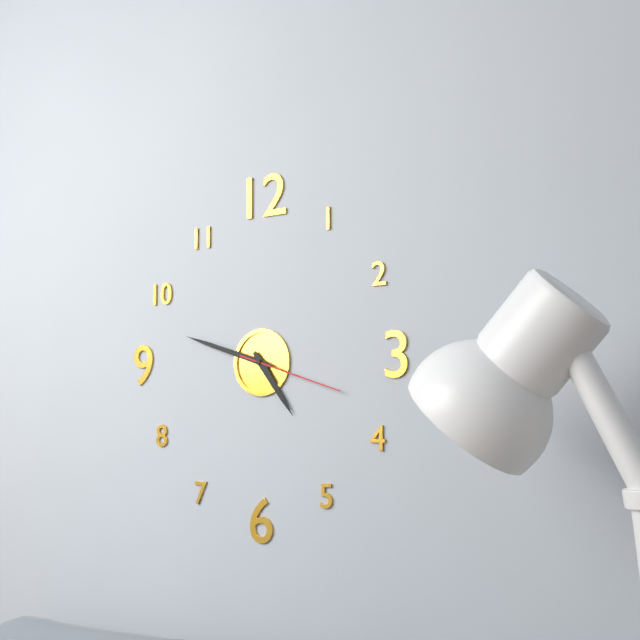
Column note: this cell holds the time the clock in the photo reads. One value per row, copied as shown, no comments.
4:48:18
